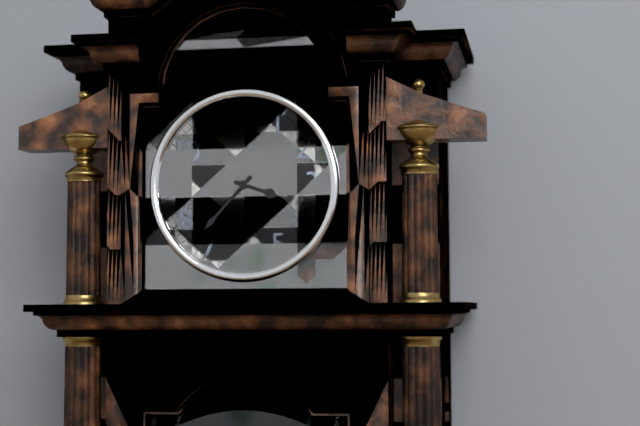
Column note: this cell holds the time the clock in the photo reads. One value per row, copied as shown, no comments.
3:37
